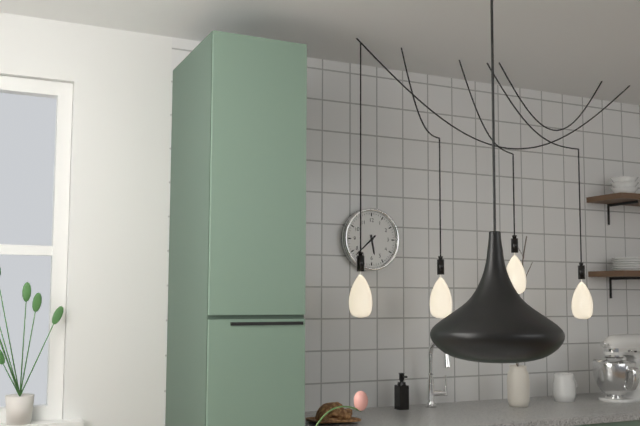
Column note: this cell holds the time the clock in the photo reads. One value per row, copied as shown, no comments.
5:38
